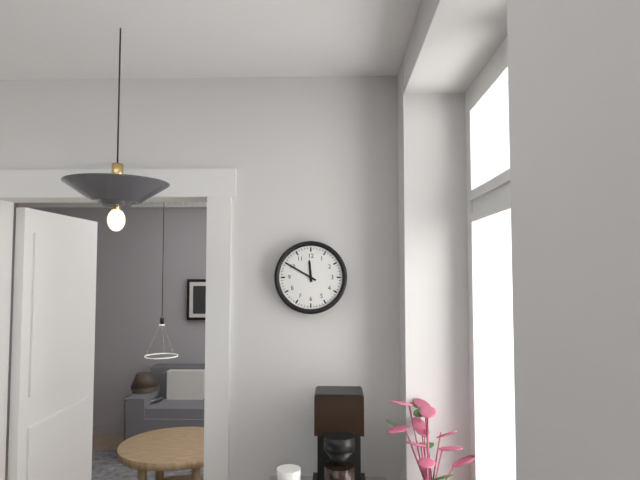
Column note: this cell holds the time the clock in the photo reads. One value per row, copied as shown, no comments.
11:50
